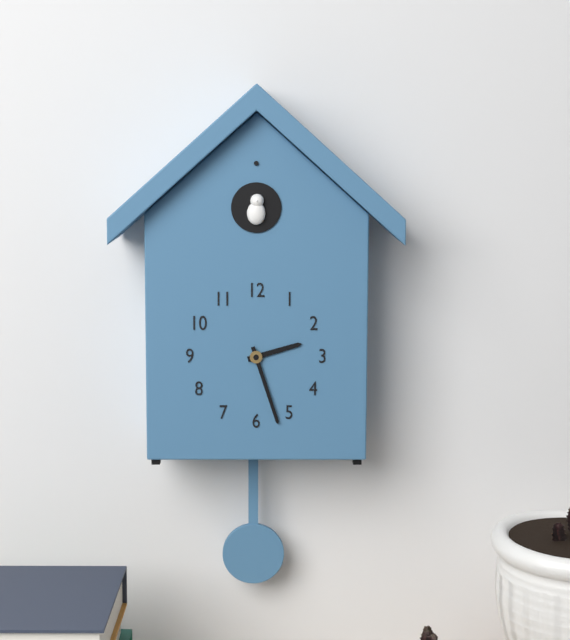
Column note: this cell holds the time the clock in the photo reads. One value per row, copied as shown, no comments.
2:27
